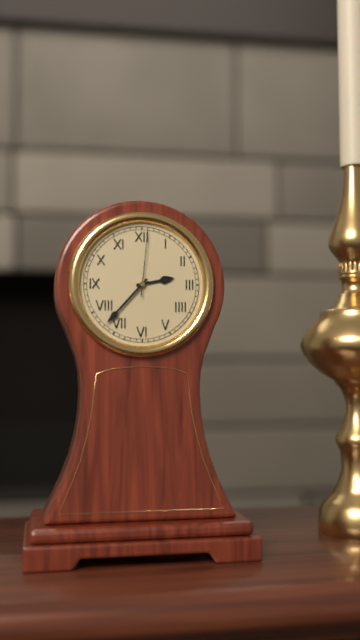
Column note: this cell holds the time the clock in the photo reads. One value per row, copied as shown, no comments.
2:37:01
